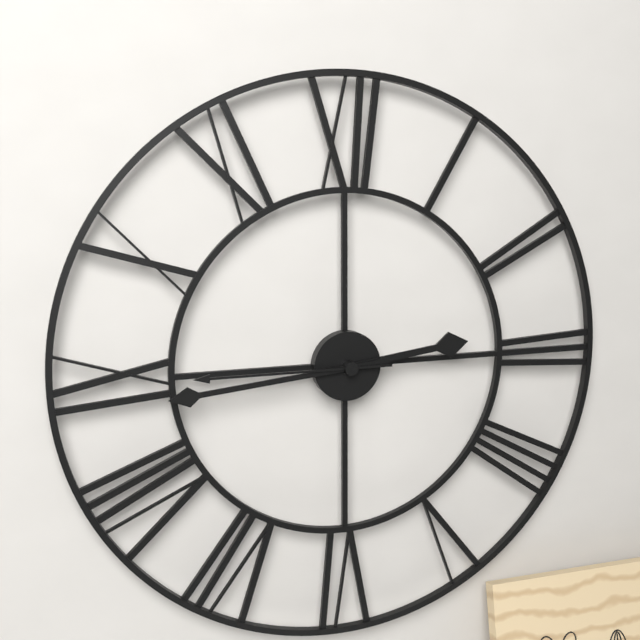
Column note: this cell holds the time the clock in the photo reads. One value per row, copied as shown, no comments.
2:44:45
